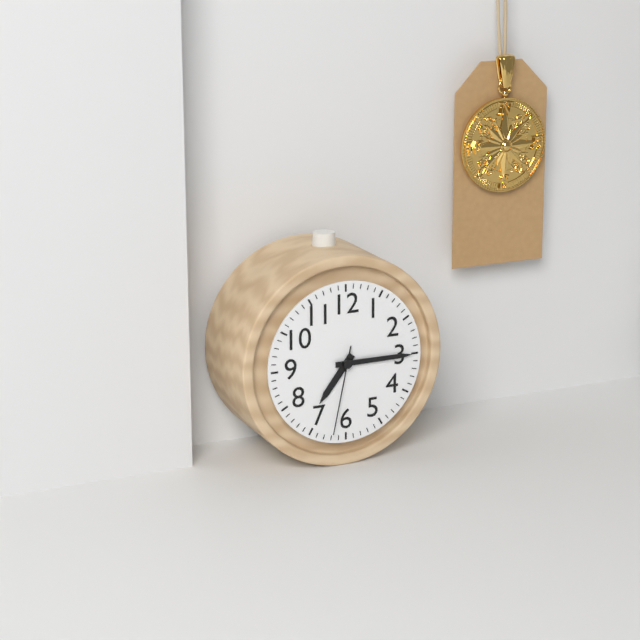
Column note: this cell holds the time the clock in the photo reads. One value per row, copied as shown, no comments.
7:15:32
